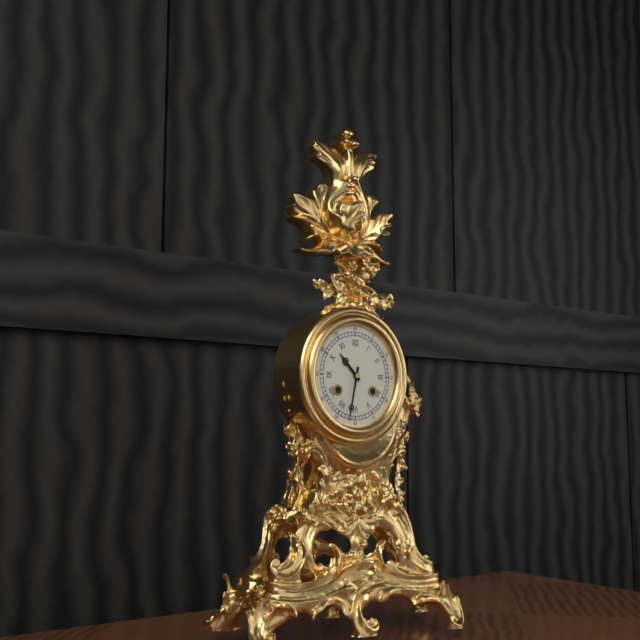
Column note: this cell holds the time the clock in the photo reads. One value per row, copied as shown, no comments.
10:32
